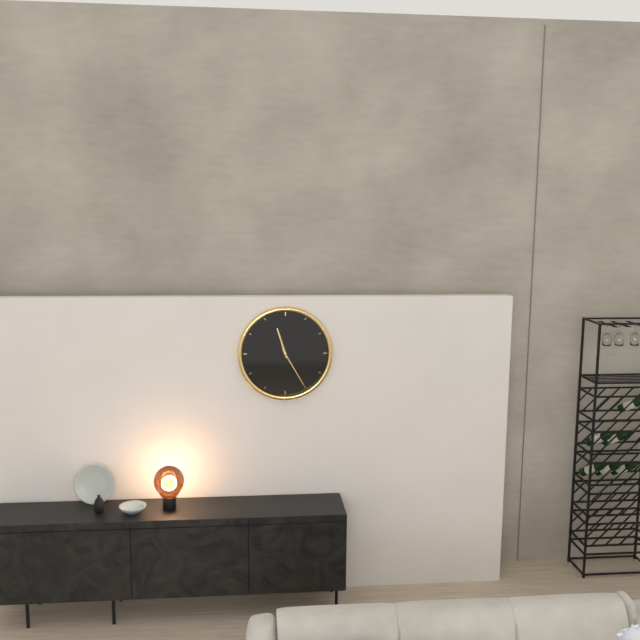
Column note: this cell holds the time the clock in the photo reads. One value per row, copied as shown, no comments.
11:25
